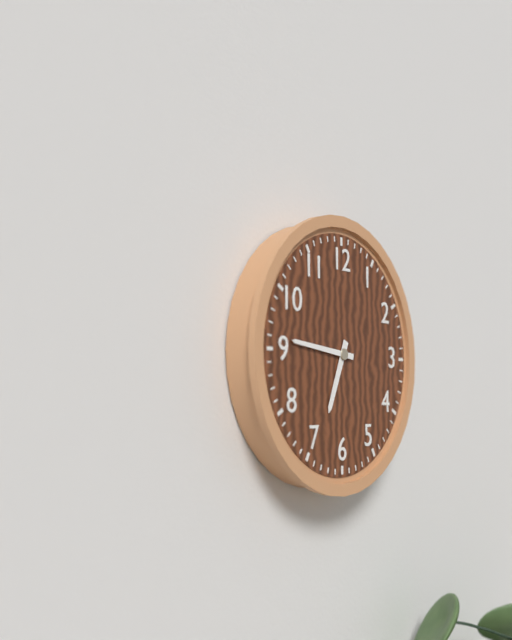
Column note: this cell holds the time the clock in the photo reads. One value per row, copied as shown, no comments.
6:46
